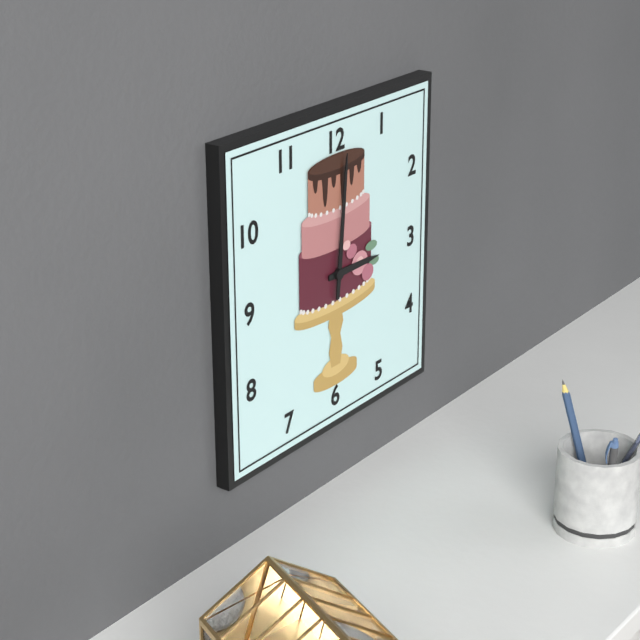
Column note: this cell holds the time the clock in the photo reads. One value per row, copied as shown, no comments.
3:01
